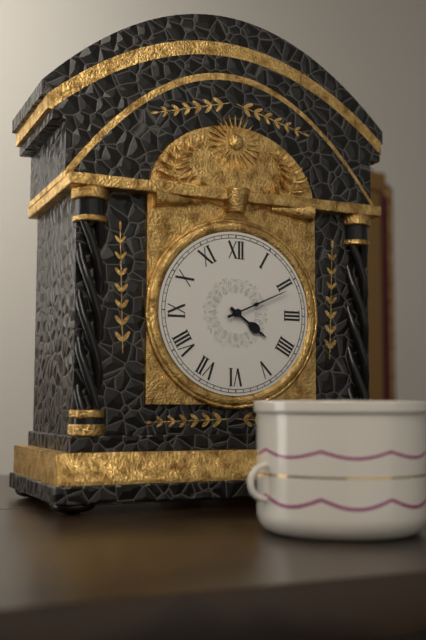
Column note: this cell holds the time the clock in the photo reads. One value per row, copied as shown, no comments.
4:11
